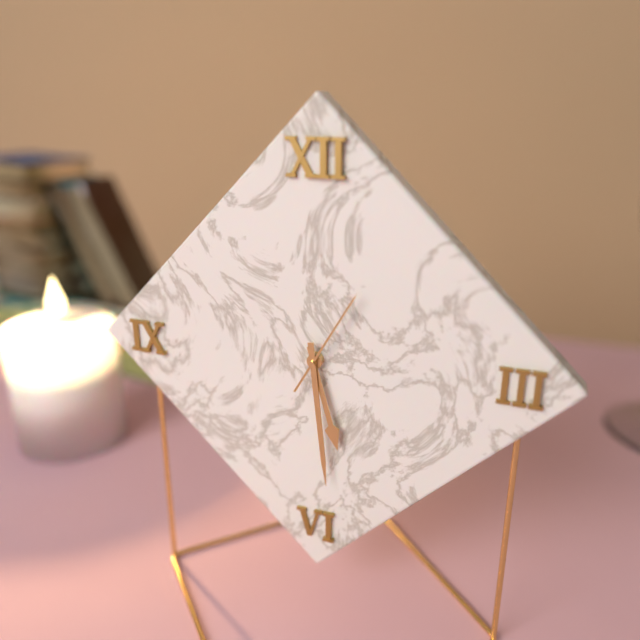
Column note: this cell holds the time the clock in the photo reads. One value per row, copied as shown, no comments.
5:29:05
